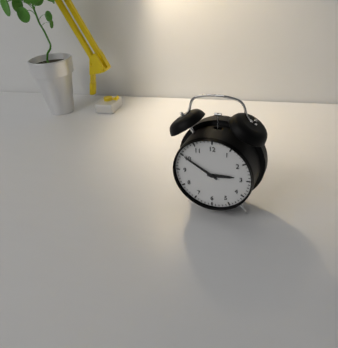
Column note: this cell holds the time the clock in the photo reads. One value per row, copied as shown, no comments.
2:50
